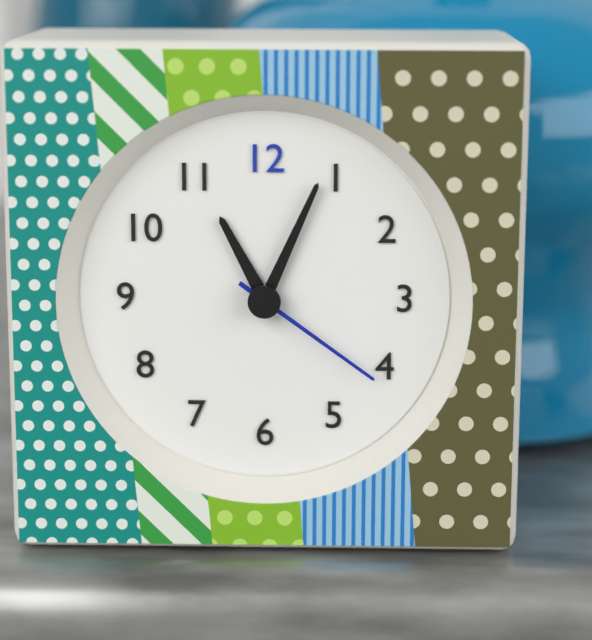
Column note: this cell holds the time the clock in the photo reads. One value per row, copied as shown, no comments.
11:04:21
